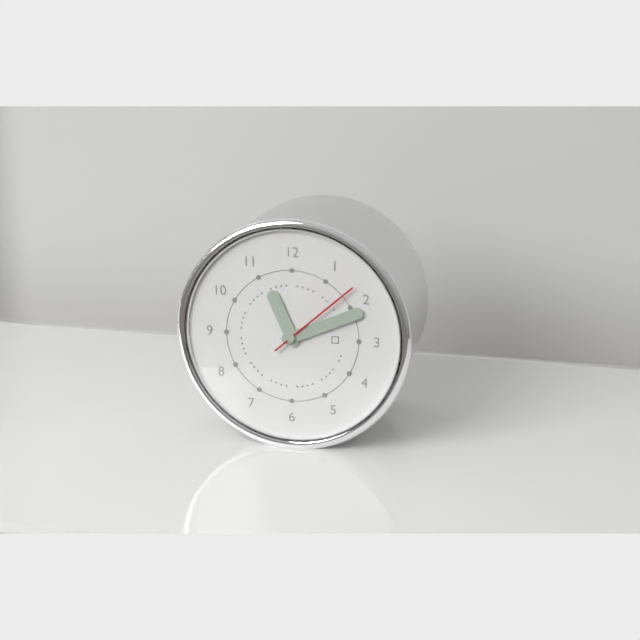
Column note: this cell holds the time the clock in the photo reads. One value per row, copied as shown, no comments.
11:11:08
